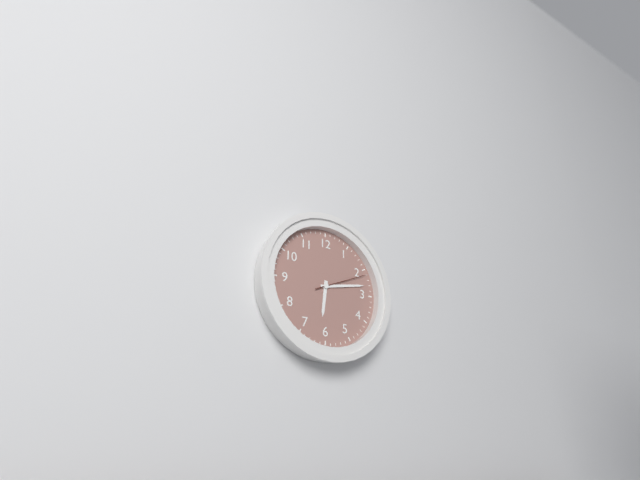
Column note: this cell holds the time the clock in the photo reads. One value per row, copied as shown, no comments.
6:13:11
